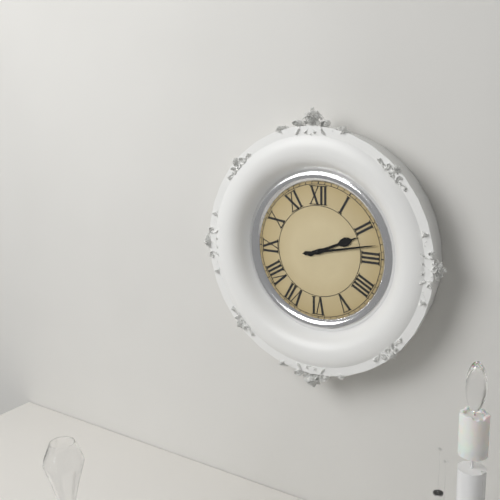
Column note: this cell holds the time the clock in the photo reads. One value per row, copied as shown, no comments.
2:13
